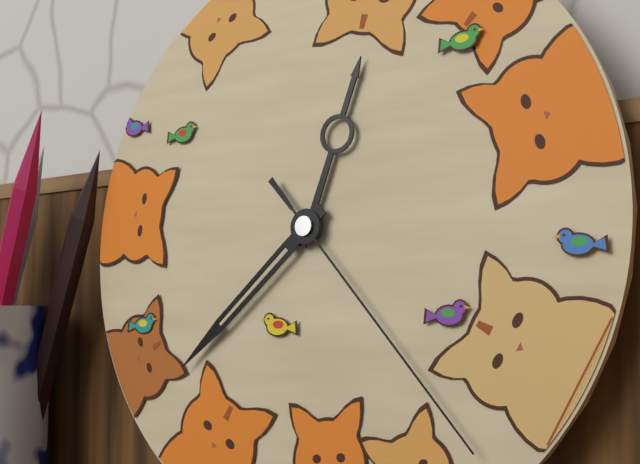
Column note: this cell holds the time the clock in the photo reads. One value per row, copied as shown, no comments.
12:38:23
